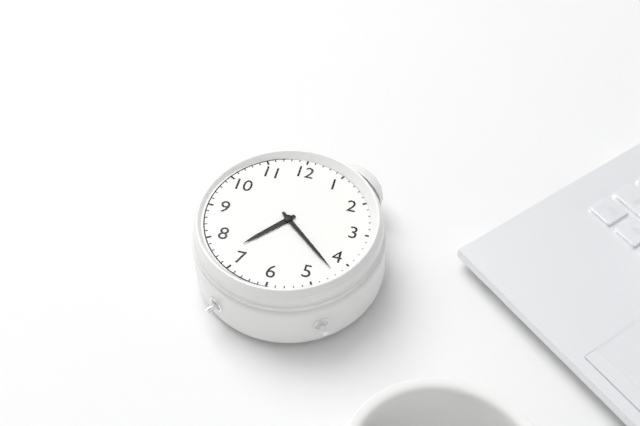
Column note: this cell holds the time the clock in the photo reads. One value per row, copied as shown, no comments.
7:22
